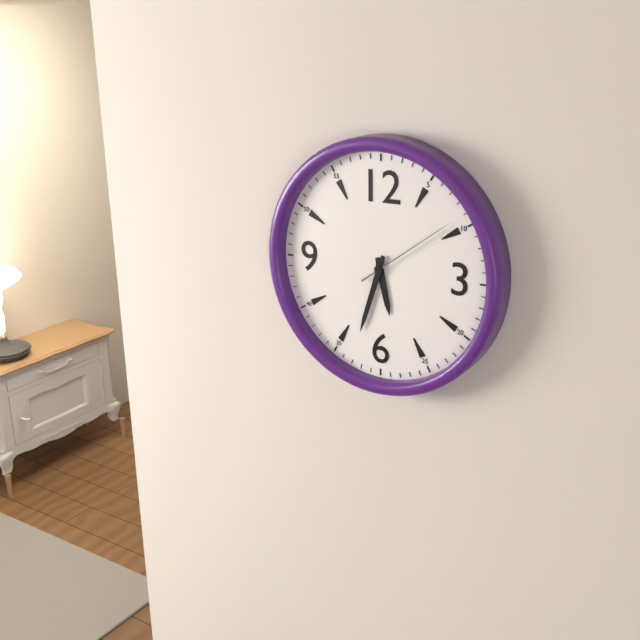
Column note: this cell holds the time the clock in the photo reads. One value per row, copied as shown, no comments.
5:33:09
